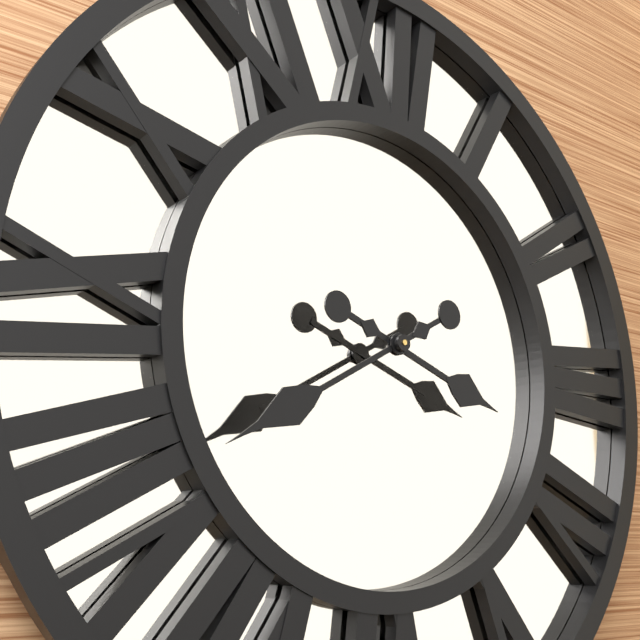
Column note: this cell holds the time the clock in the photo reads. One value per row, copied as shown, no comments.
3:40
